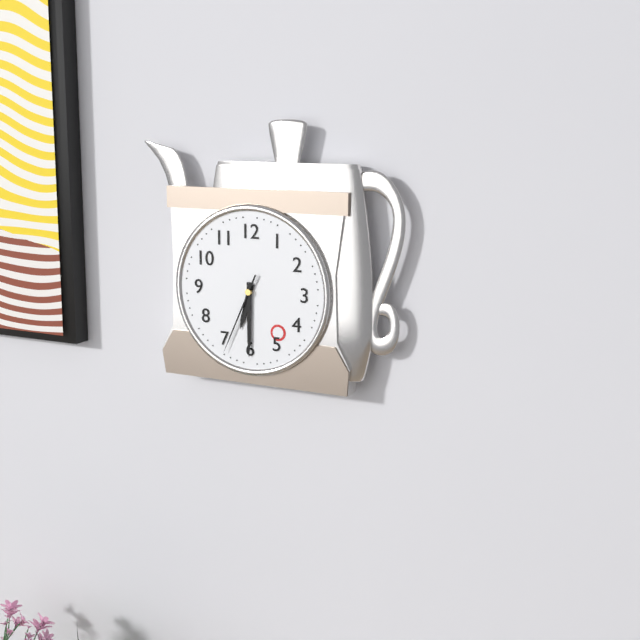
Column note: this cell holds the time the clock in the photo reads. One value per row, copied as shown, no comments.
6:30:34
